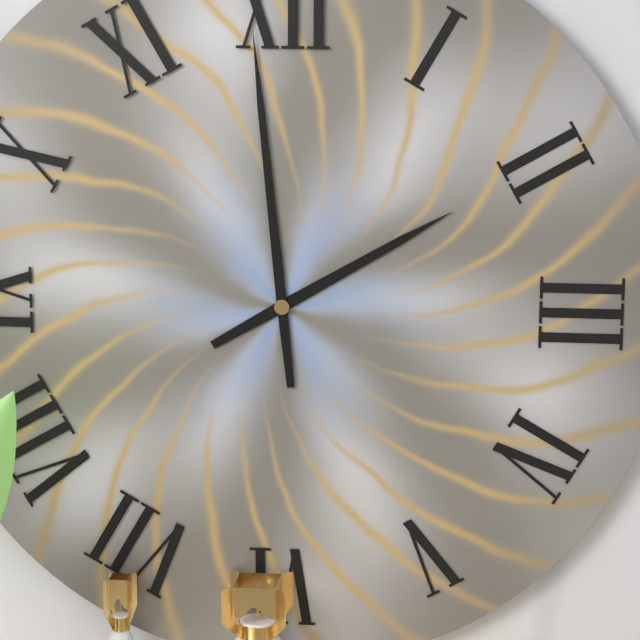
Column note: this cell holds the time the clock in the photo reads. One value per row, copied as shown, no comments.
1:59
